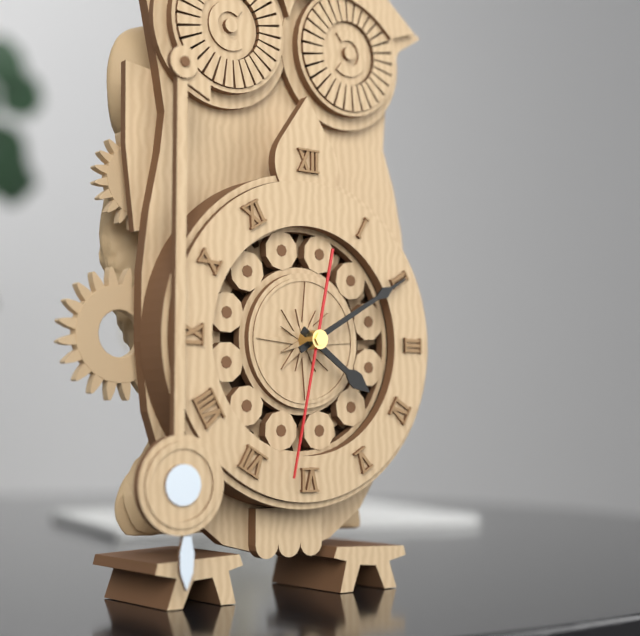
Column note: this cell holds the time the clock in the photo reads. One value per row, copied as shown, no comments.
4:10:32
